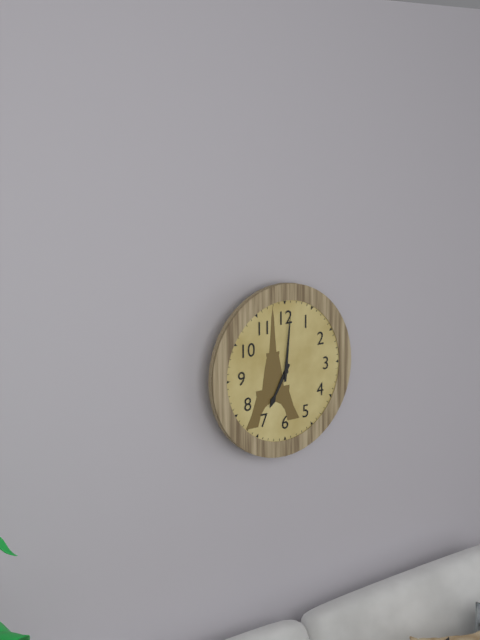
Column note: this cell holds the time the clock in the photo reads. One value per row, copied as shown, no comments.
7:01
